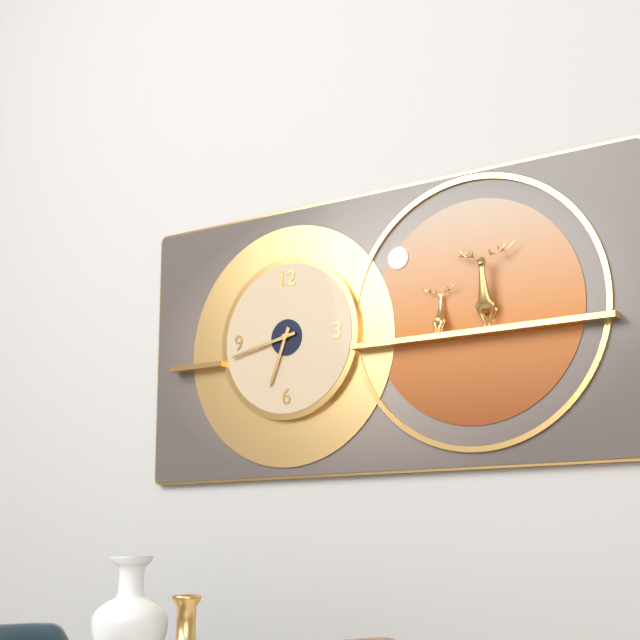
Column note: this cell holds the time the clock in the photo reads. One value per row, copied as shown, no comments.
6:43
